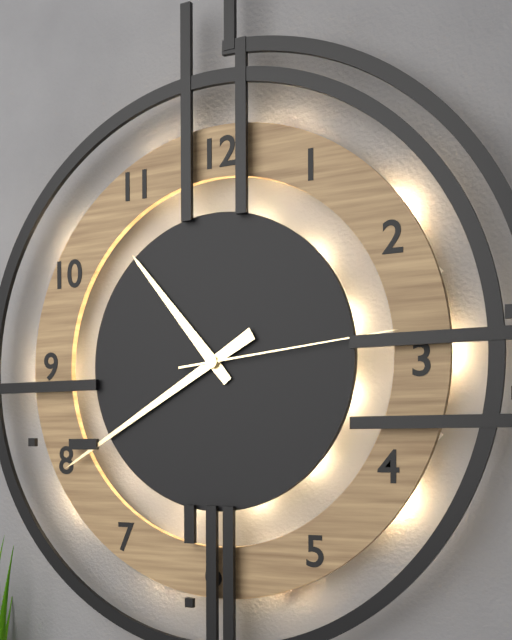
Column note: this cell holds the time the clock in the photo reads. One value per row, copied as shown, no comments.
10:40:14
